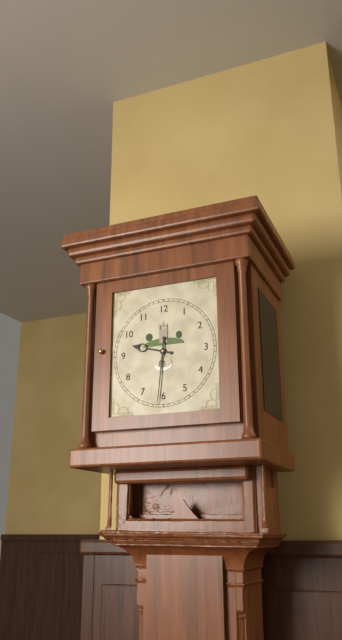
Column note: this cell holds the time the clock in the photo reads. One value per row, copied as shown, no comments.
9:31
